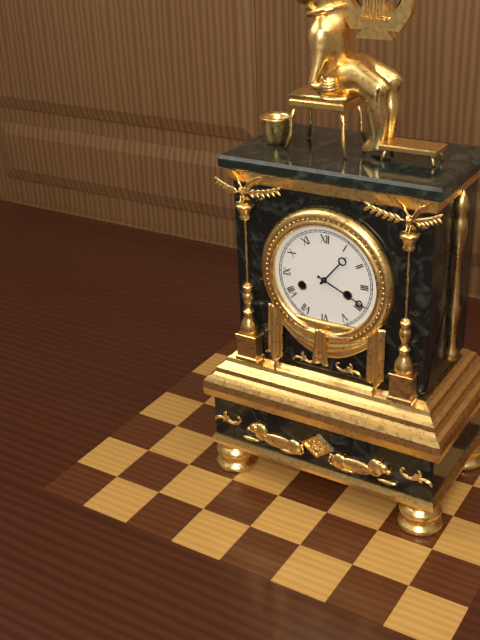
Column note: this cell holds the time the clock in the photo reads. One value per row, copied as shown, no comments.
1:19
